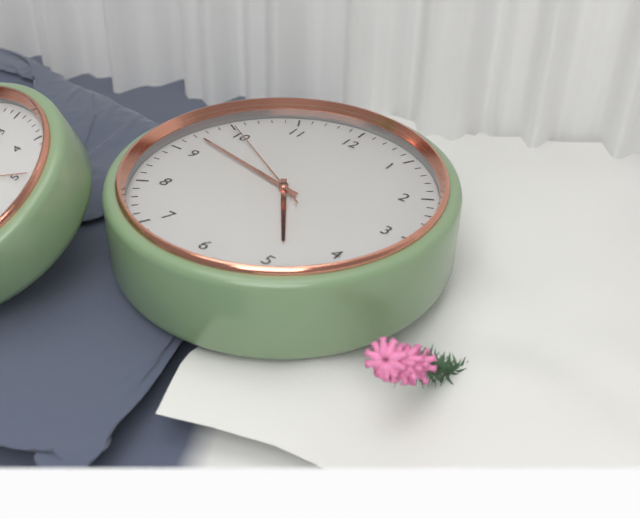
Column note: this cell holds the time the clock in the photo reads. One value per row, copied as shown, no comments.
4:47:50
